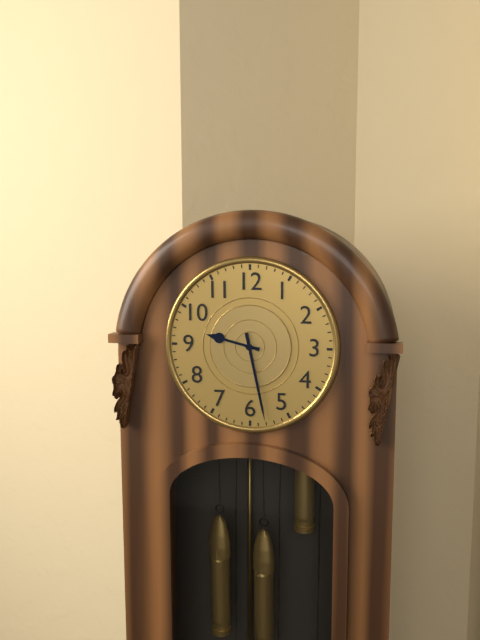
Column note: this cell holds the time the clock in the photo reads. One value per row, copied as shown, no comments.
9:28
